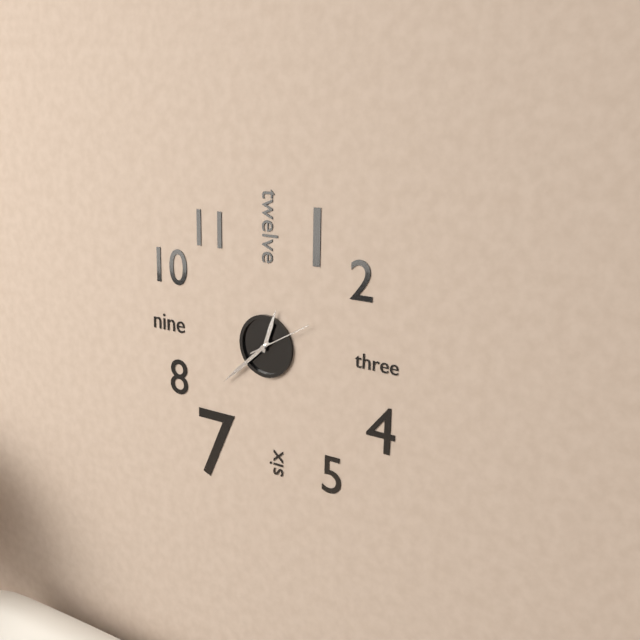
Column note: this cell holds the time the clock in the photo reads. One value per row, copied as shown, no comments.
12:38:10
